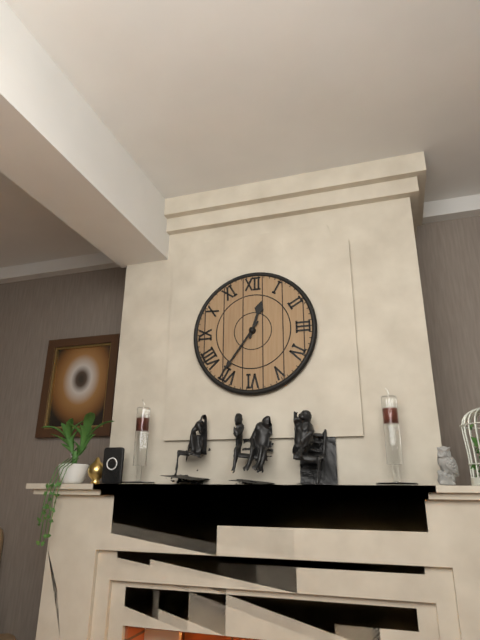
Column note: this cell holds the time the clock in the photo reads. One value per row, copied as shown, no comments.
12:36
